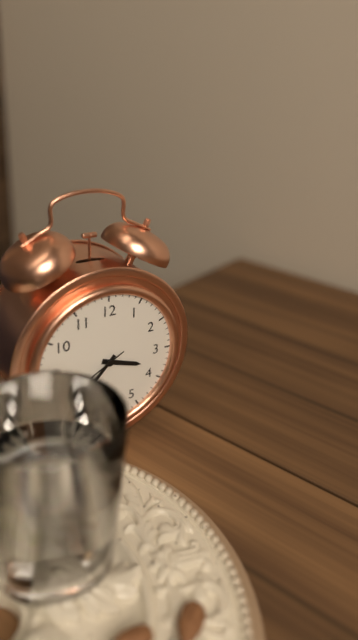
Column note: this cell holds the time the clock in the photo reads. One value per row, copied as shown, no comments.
3:37:40
